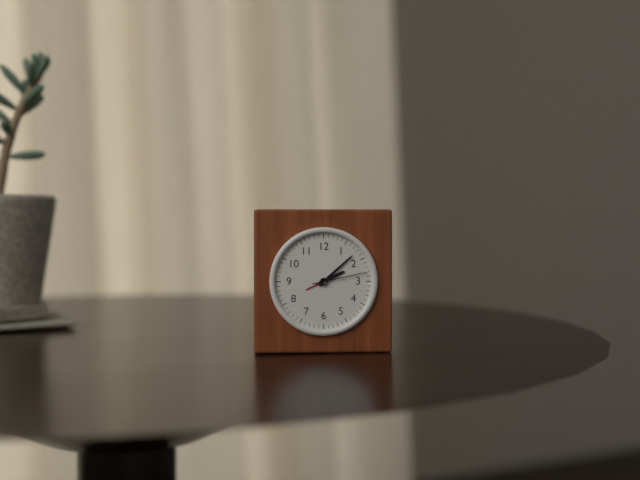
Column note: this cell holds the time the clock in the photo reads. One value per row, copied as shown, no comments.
2:08:13
